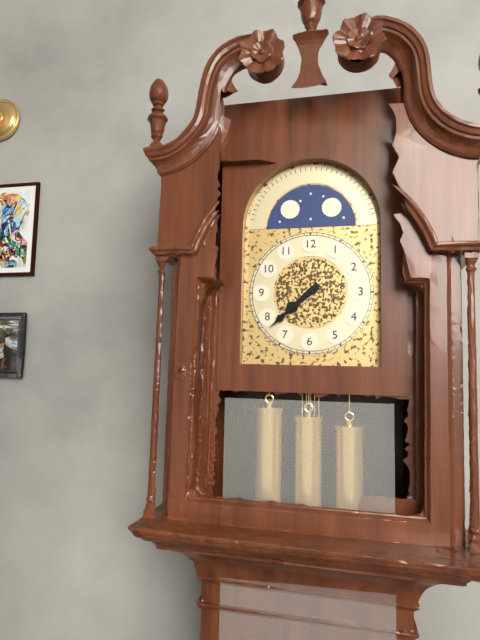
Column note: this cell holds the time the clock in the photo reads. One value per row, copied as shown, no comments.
7:38
